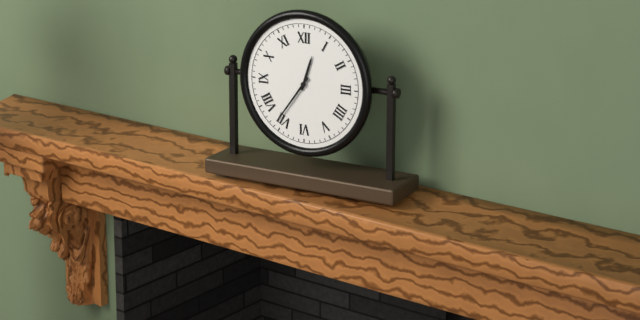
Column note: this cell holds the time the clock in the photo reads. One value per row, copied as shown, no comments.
12:36
